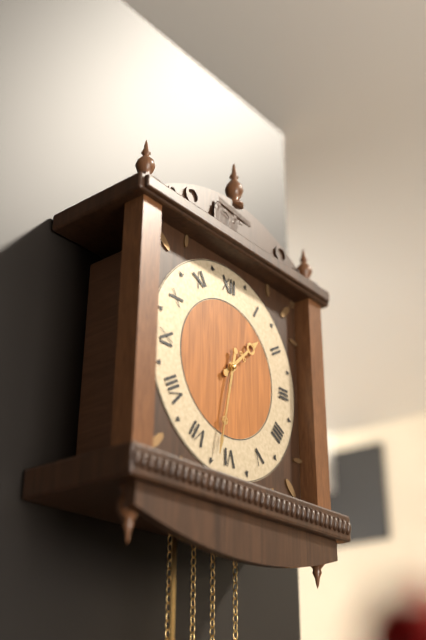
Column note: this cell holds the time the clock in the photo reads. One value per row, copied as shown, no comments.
1:32
